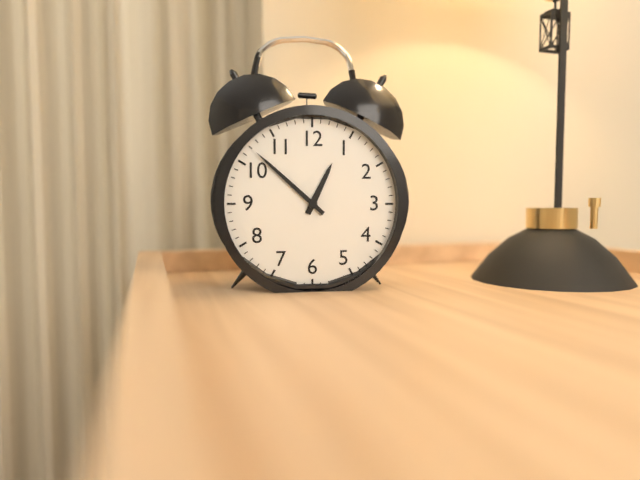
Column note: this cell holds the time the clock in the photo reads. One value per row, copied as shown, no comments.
12:52
